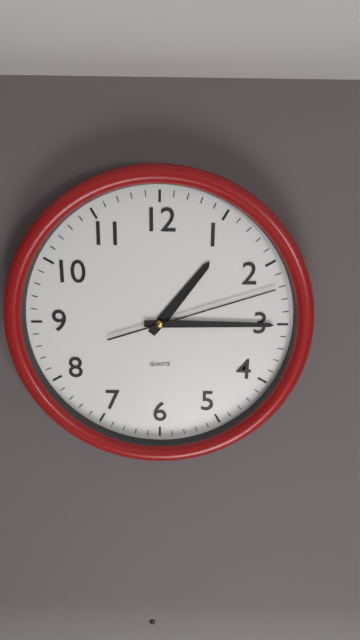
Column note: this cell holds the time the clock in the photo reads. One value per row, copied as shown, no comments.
1:15:12
